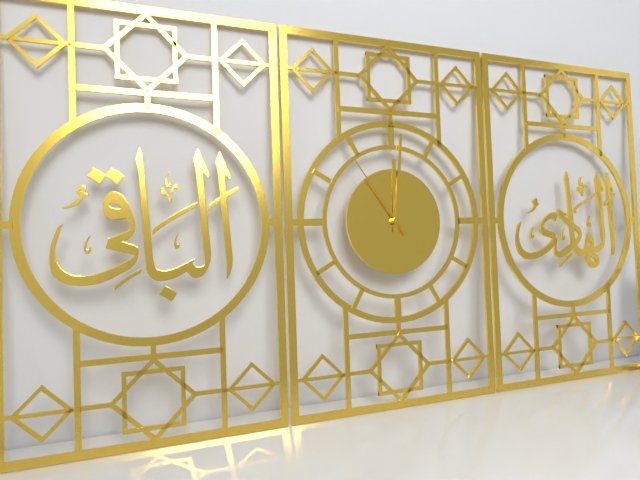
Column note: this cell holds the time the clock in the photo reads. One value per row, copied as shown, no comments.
12:01:54
